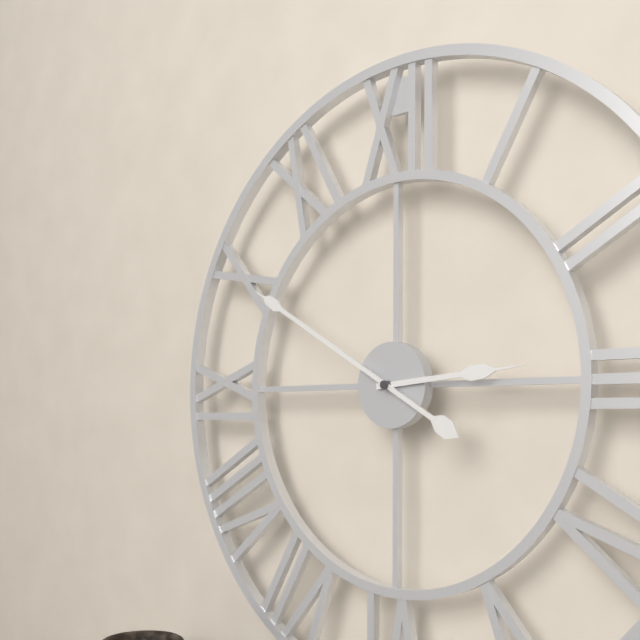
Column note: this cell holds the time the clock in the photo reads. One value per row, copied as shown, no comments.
2:50
